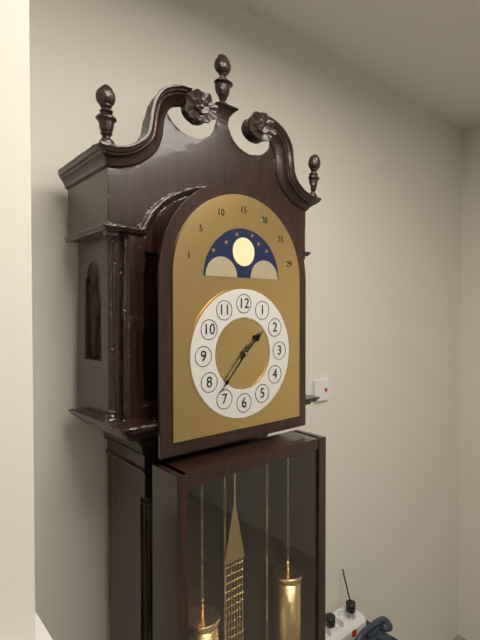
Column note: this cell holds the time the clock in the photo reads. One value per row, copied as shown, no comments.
1:37
